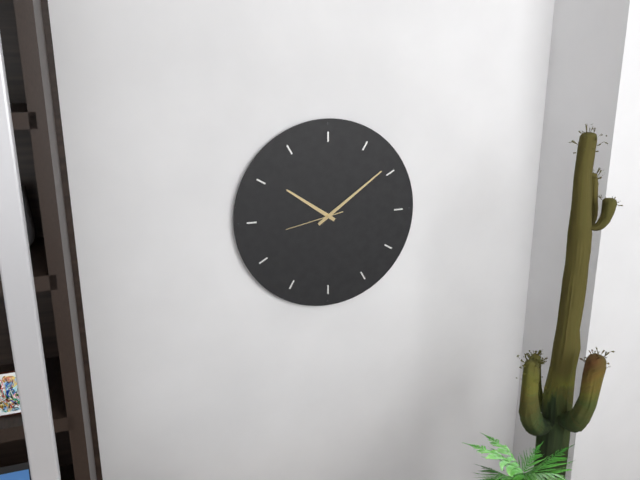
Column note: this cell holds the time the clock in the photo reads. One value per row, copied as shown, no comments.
10:09:43
